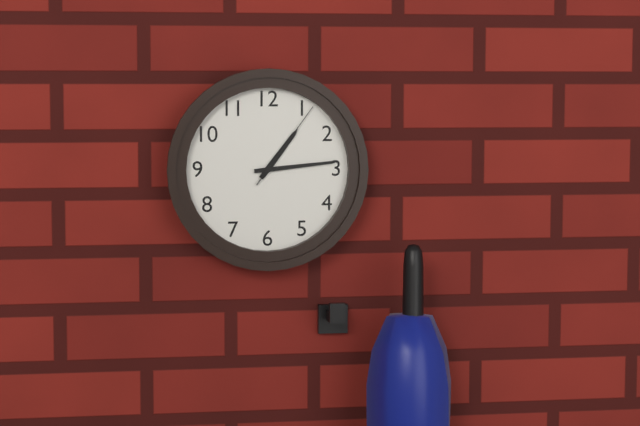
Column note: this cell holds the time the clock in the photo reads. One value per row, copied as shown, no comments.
1:14:06
